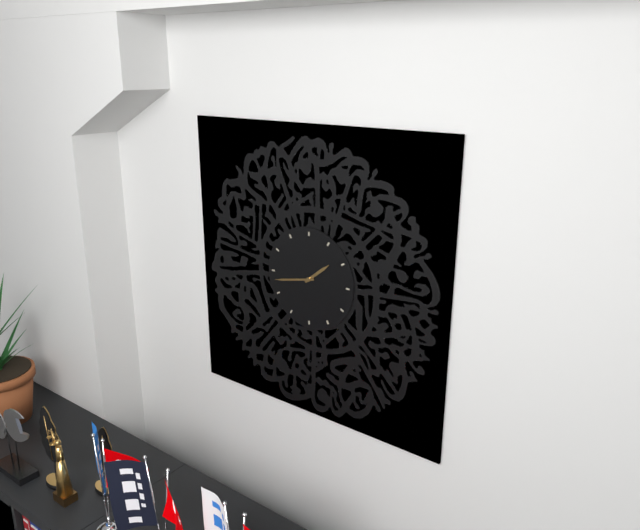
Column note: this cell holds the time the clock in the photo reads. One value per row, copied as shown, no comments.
1:43
